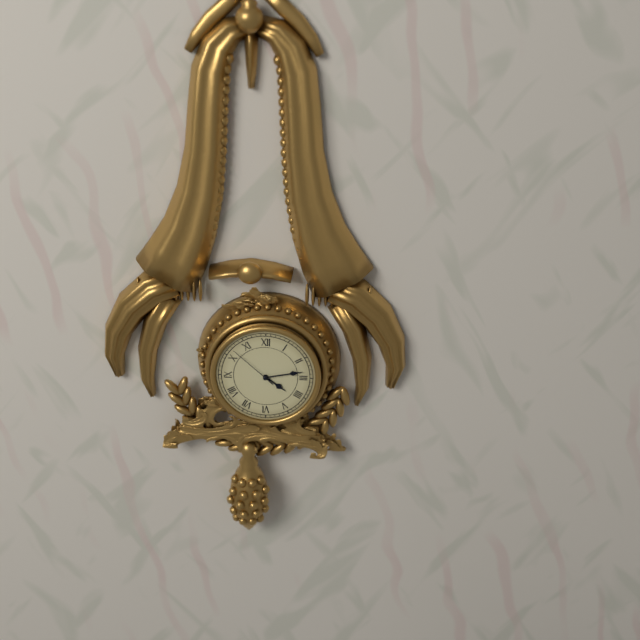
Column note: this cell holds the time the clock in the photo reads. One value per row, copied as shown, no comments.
4:13:52
